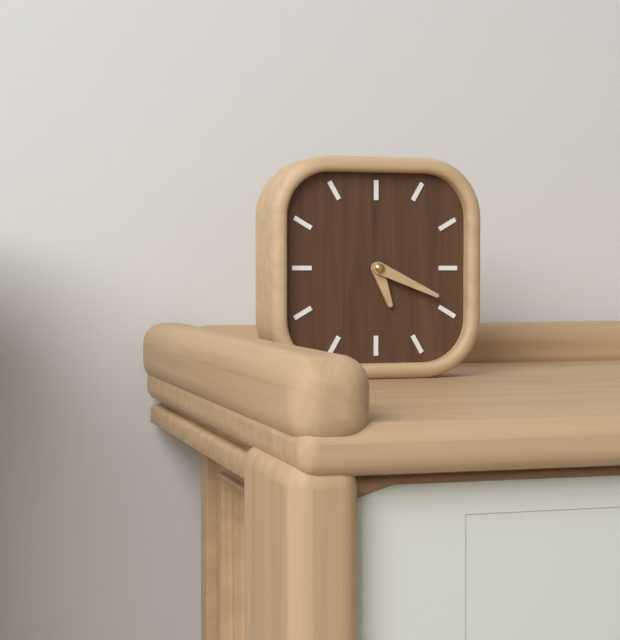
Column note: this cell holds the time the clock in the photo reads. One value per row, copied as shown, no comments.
5:19
